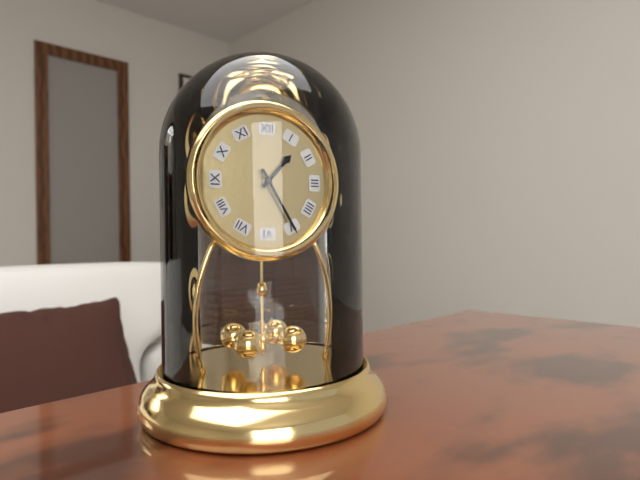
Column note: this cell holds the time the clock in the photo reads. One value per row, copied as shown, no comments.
1:25
